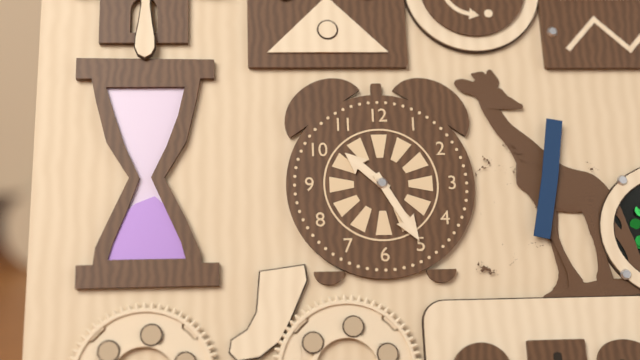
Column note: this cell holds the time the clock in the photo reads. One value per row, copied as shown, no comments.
10:25
